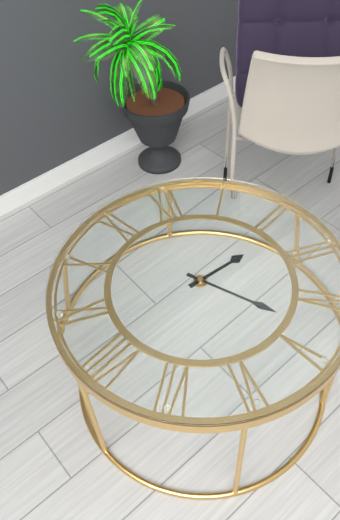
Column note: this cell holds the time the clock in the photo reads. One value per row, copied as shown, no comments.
2:23
